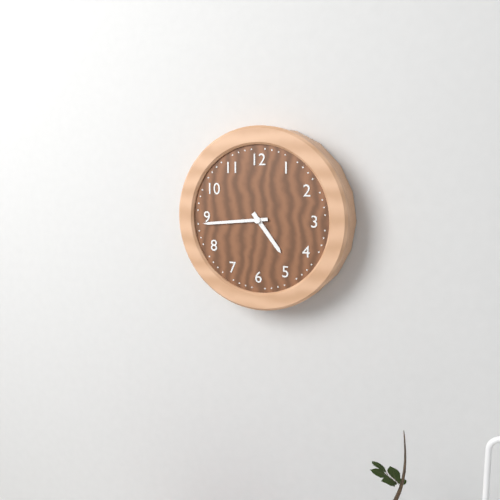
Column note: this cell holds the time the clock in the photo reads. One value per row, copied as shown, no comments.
4:44
